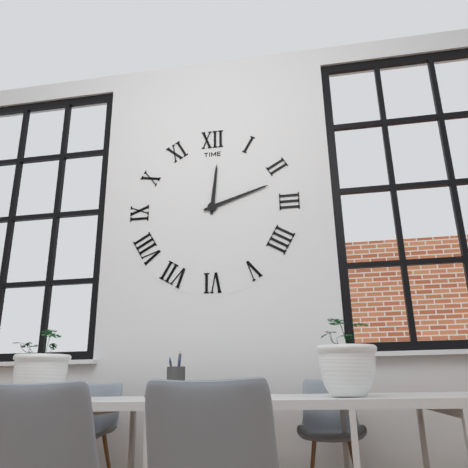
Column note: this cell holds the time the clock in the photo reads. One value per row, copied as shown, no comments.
12:12
